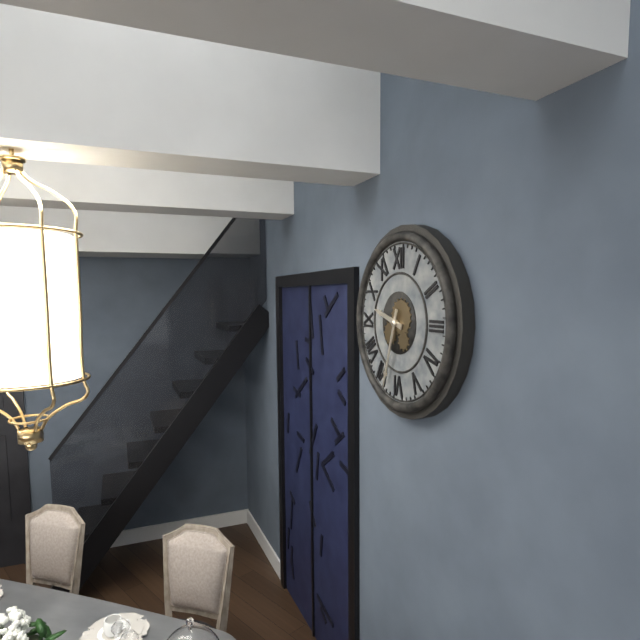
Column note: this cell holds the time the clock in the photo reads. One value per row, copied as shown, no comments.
9:33
